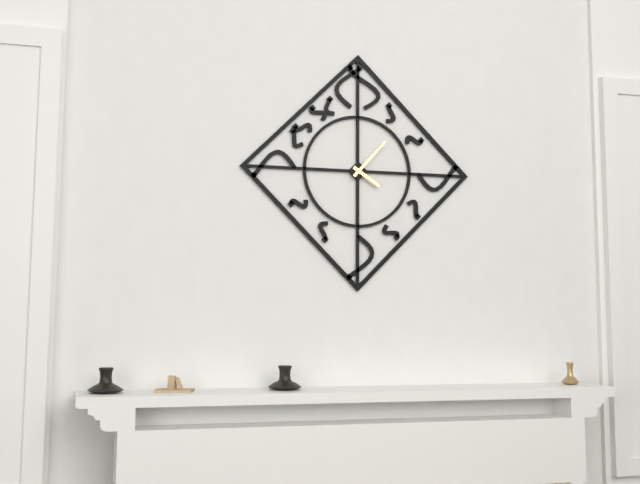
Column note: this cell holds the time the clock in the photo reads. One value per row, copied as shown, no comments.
4:07
